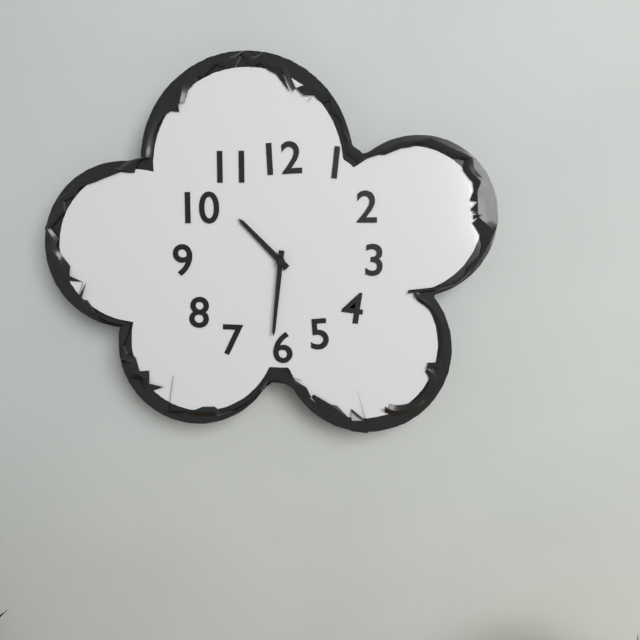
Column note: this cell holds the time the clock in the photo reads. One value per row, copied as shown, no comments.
10:31
